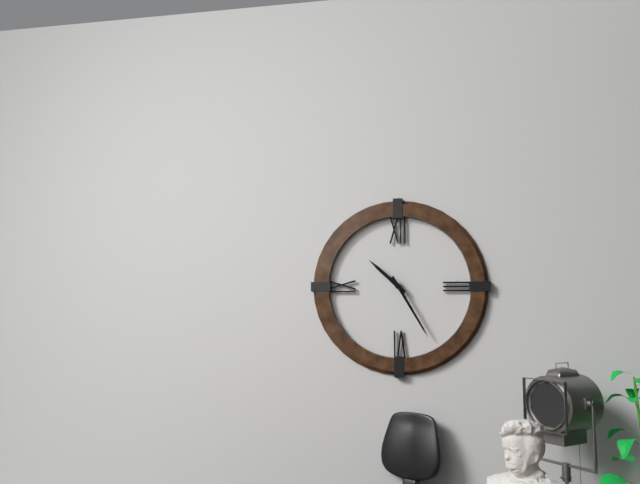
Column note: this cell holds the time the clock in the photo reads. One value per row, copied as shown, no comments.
10:25
